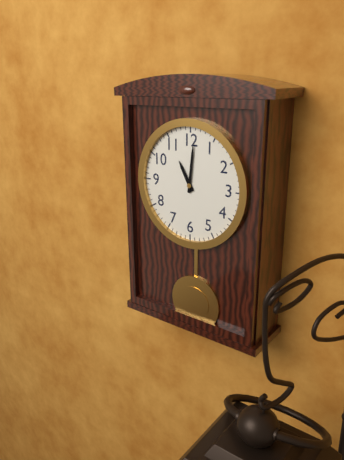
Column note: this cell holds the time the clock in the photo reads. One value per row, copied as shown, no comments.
11:01
